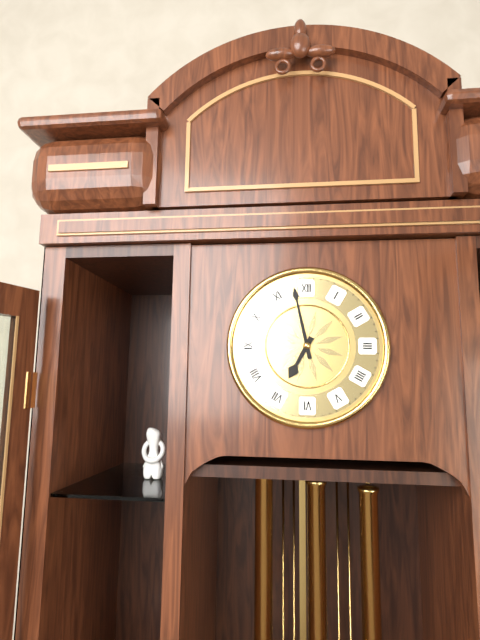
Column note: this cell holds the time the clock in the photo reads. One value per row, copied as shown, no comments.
6:58
